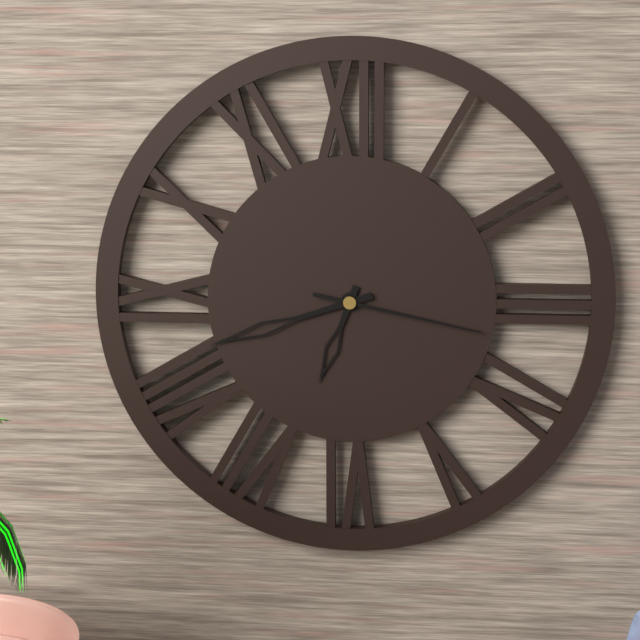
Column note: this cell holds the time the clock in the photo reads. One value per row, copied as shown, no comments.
6:42:17
